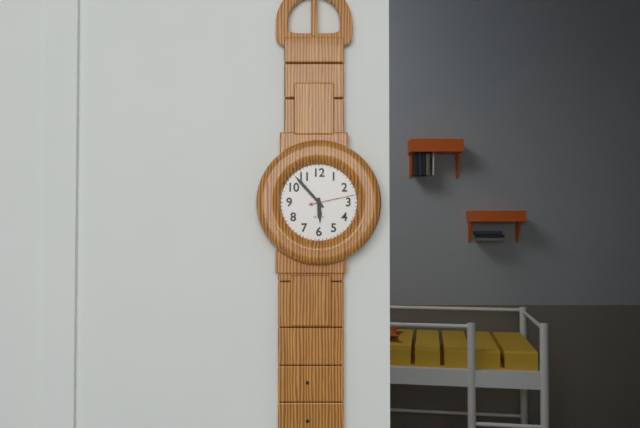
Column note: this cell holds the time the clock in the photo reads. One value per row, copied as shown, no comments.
5:53
